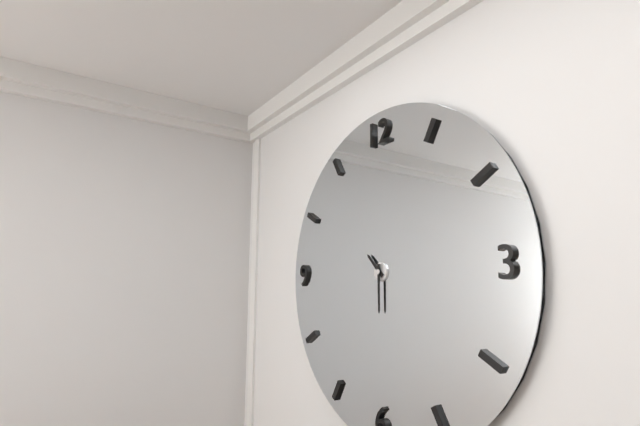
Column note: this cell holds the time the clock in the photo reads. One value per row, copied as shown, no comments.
10:30
